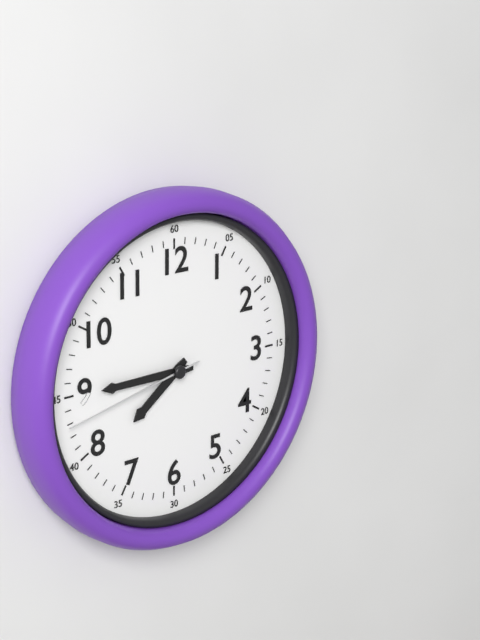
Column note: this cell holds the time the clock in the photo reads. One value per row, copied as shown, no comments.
7:45:43
